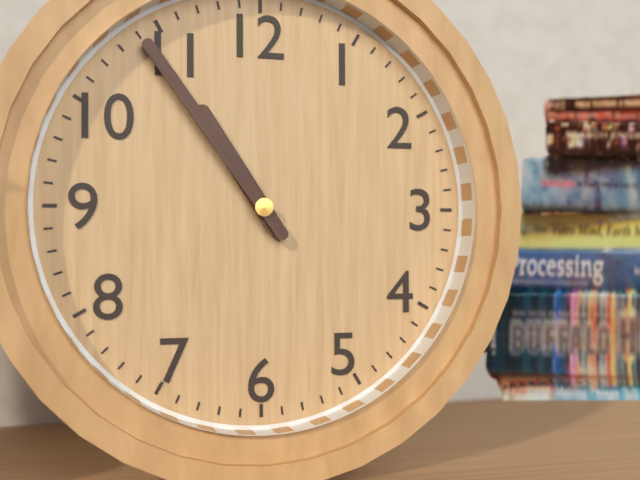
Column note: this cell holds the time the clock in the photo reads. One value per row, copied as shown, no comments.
10:54
